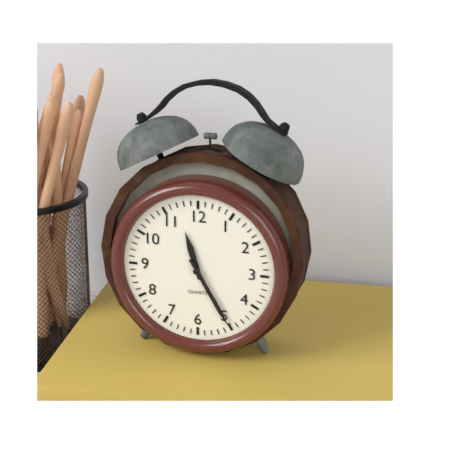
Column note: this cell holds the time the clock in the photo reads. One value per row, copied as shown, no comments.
11:25
